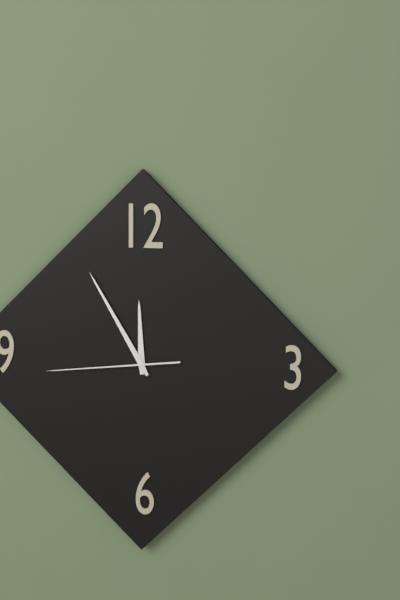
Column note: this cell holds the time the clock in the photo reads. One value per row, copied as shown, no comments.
11:55:44
